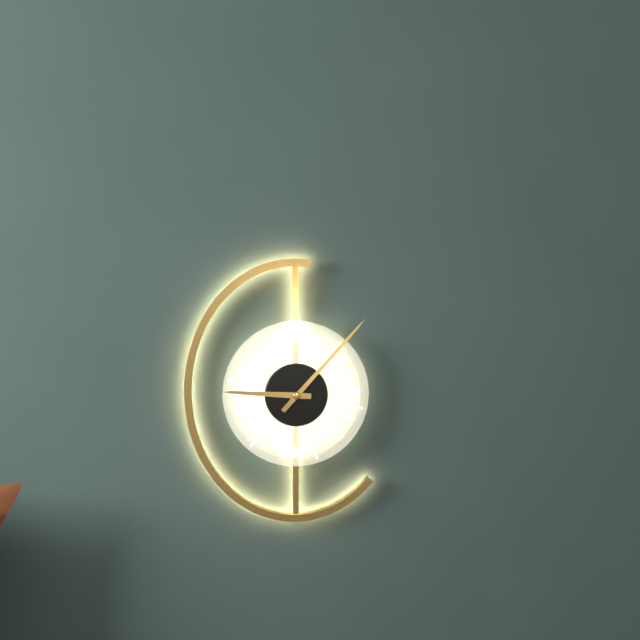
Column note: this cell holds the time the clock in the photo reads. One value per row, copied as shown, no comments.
9:07
